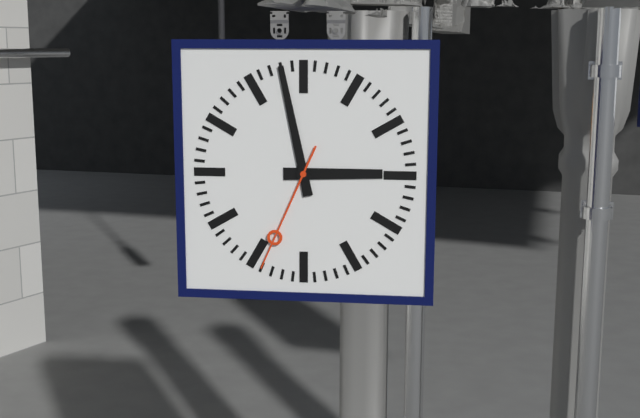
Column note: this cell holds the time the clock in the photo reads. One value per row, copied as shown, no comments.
2:58:34
